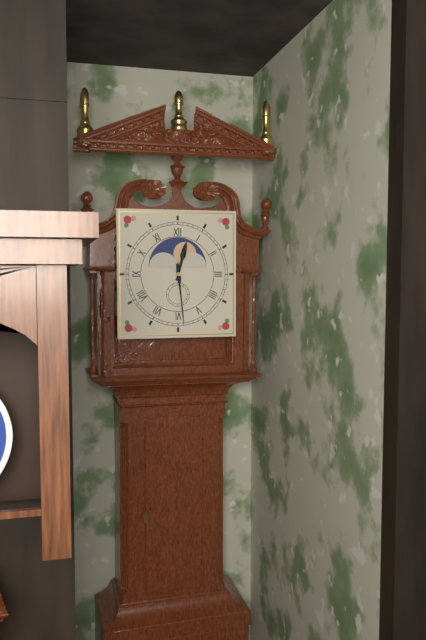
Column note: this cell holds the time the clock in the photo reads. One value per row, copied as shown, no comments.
12:29
